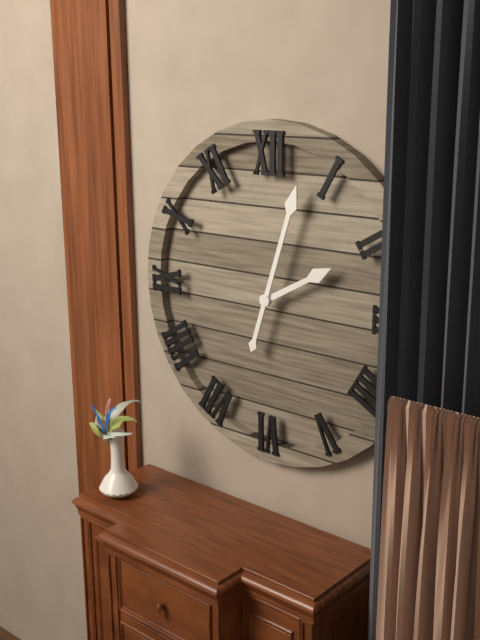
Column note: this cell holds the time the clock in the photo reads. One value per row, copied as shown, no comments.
2:03
